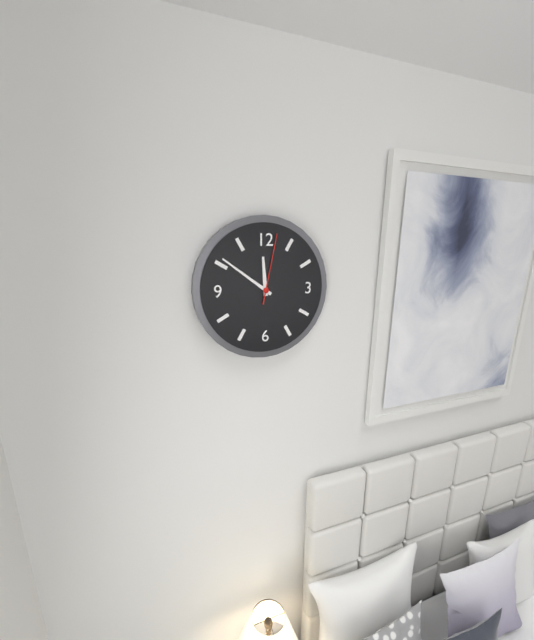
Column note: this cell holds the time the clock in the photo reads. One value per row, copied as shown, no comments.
11:51:02
